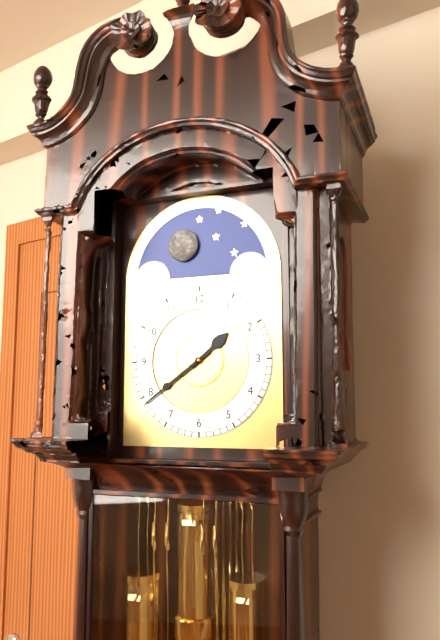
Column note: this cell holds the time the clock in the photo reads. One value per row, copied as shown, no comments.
1:39
